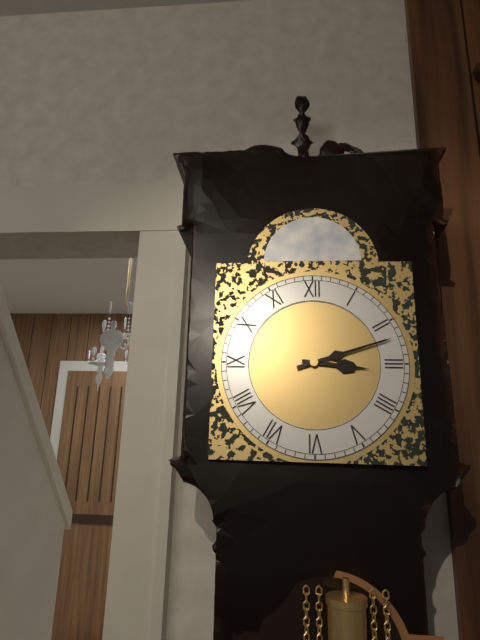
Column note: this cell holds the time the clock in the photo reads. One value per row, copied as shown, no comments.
3:12
